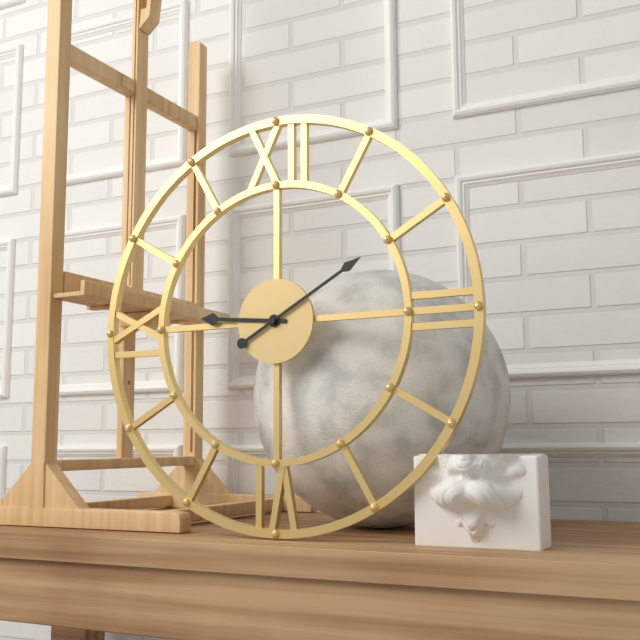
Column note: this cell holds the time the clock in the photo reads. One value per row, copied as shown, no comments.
9:10
